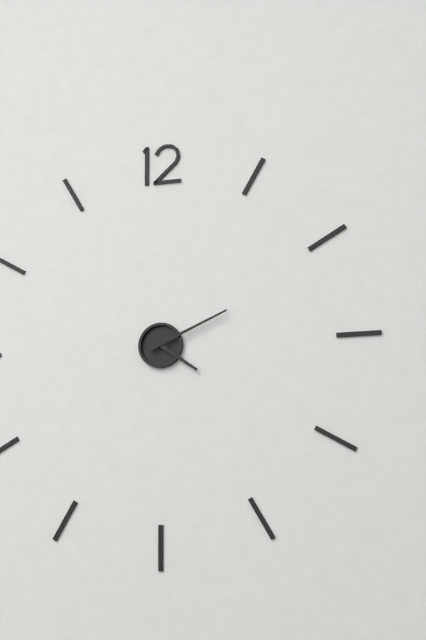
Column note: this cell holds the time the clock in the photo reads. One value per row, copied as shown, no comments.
4:11
